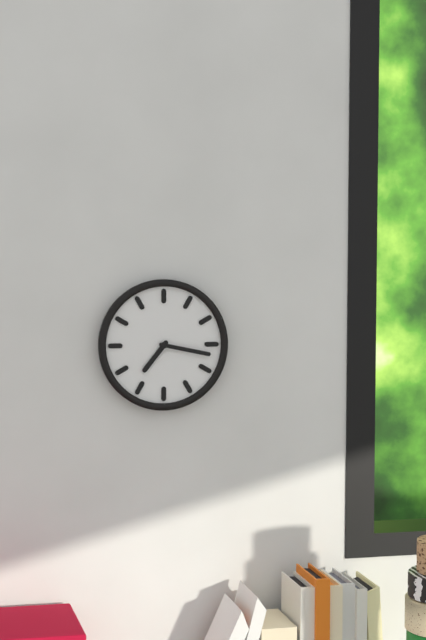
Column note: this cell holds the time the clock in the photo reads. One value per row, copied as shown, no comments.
7:17
